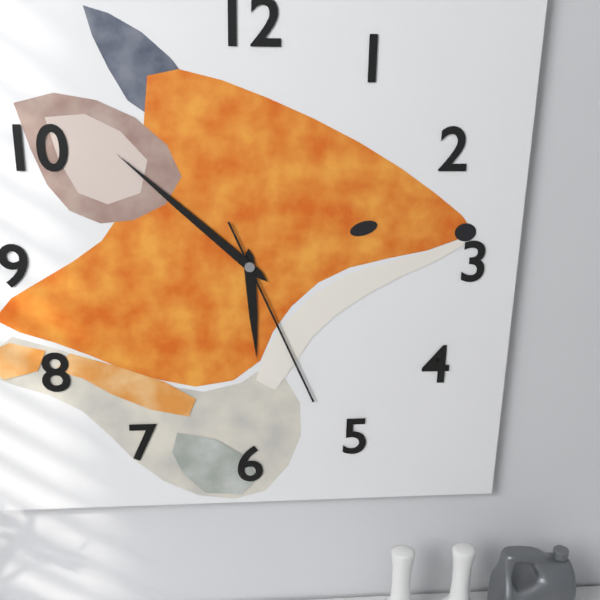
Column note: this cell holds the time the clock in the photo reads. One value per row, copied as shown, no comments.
5:52:26
